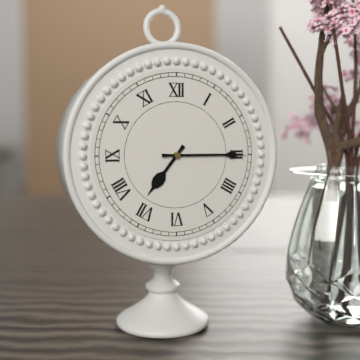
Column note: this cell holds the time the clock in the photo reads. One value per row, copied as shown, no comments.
7:15
